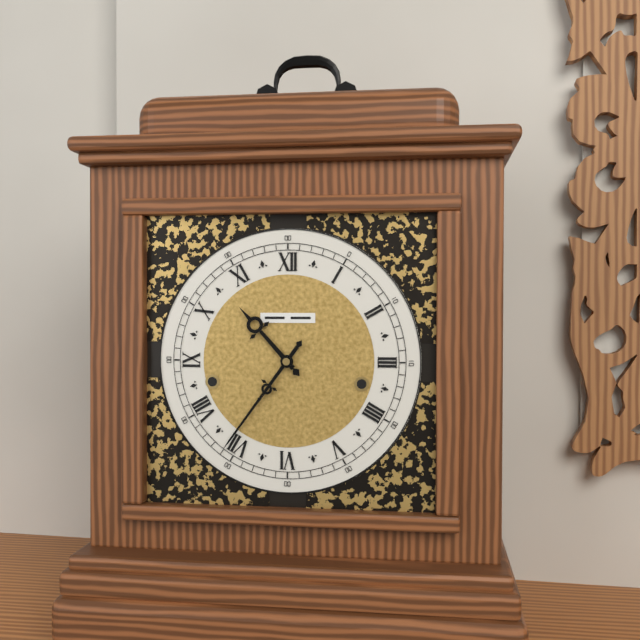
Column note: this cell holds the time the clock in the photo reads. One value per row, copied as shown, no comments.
10:36
